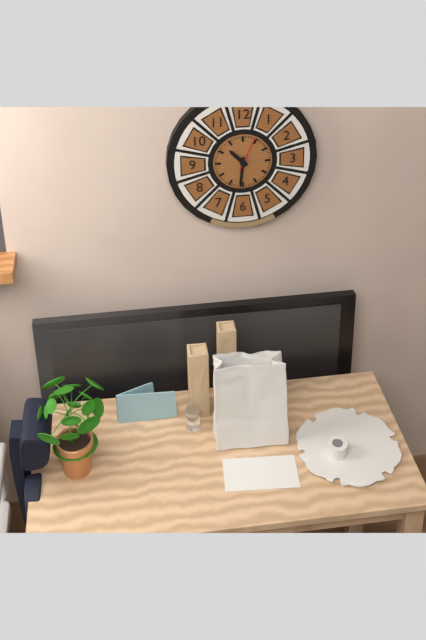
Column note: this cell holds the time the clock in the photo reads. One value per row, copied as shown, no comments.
10:31
